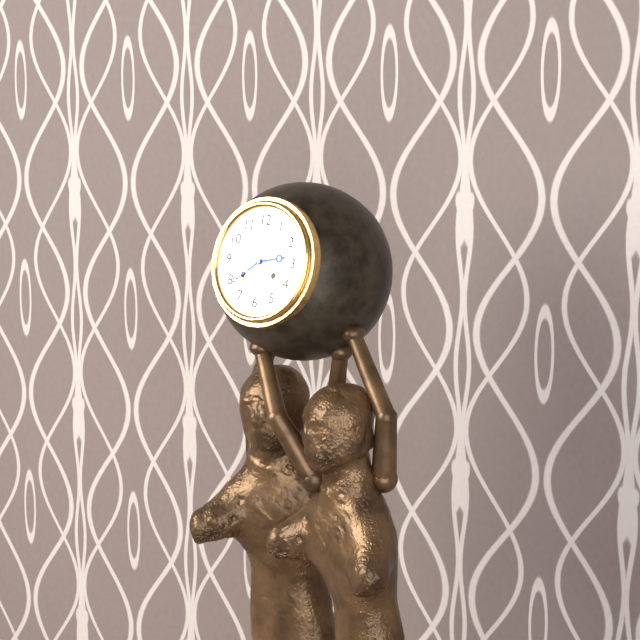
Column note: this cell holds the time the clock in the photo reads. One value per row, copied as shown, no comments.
2:39
